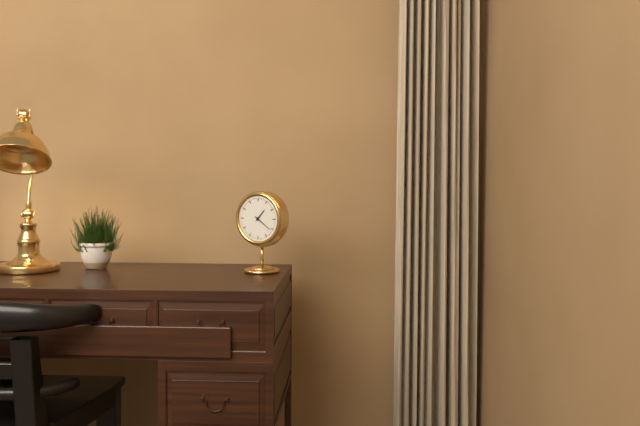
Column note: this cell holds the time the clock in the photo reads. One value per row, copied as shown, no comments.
1:21
